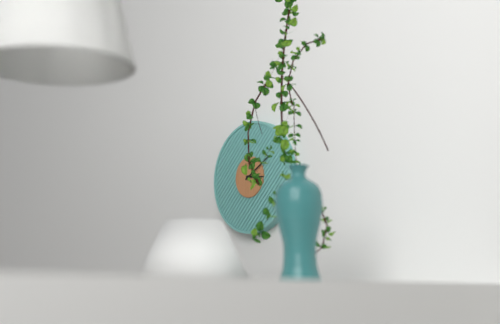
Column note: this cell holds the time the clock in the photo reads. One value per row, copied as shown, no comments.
3:10
